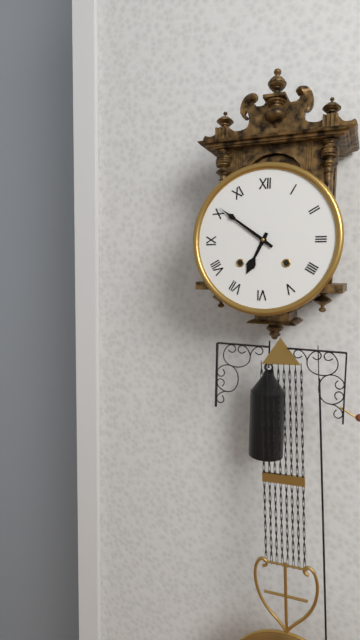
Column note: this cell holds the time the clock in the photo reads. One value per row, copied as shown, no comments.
6:51
